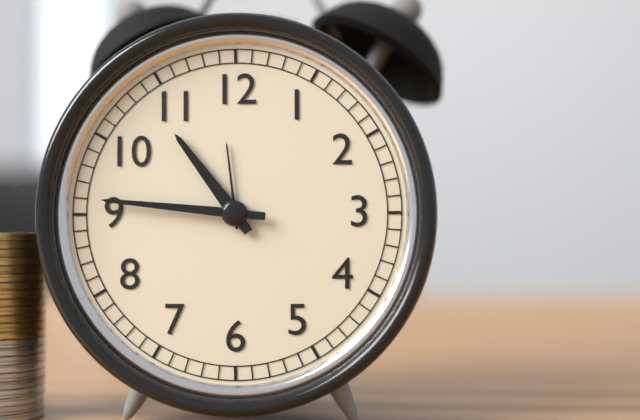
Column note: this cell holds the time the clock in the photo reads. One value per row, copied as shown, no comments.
10:46
